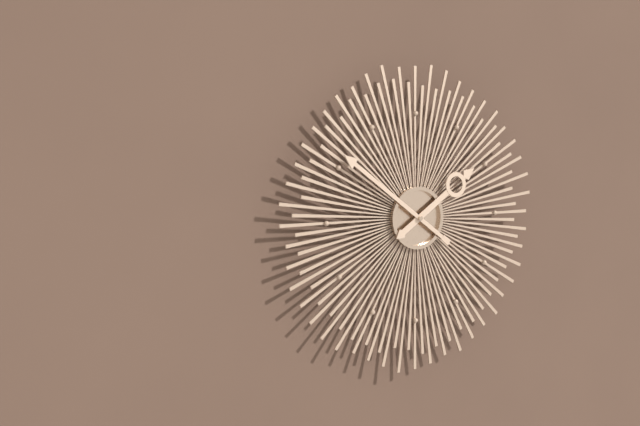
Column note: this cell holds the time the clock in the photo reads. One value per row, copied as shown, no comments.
1:51
